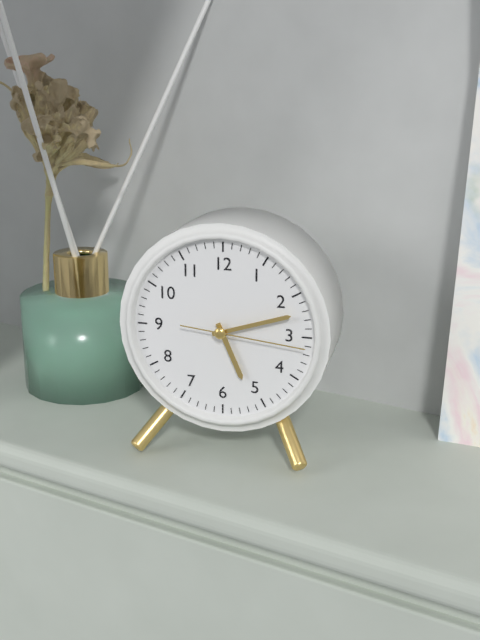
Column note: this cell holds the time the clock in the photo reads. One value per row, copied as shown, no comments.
5:12:16
